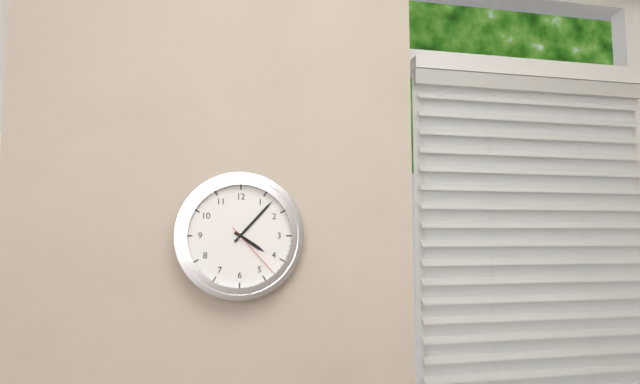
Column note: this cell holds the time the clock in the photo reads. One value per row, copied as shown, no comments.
4:07:23
